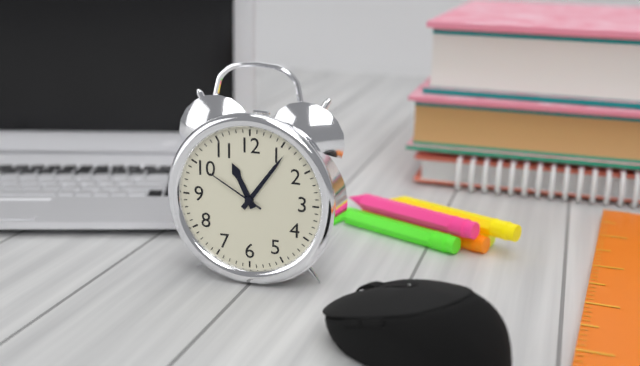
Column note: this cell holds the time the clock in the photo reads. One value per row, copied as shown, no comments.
11:06:50
